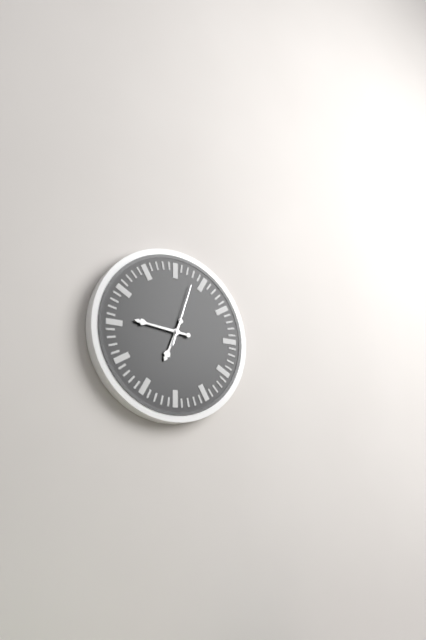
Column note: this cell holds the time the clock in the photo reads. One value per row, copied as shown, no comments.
6:46:03
